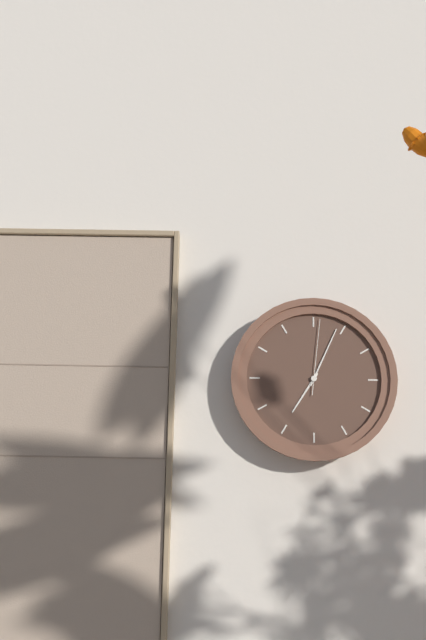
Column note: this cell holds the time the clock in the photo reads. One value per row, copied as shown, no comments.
7:04:01
